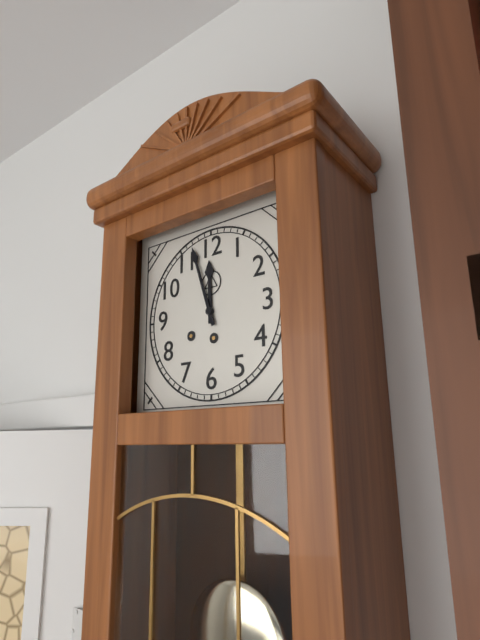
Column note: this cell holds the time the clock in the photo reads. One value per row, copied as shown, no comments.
11:57
